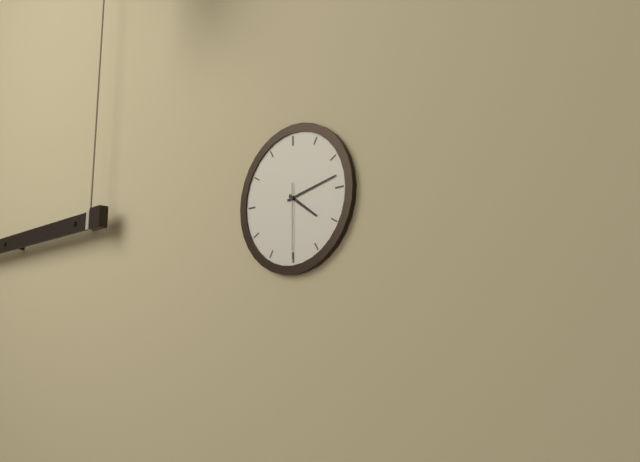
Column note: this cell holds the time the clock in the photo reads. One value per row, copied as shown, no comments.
4:13:30
